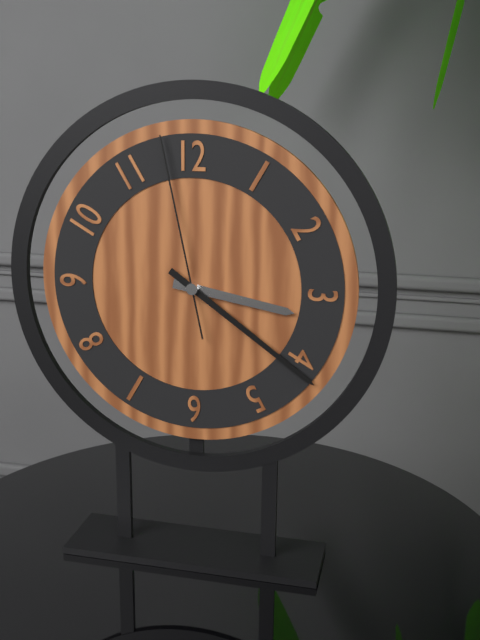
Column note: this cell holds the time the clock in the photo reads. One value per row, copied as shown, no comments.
3:21:58
